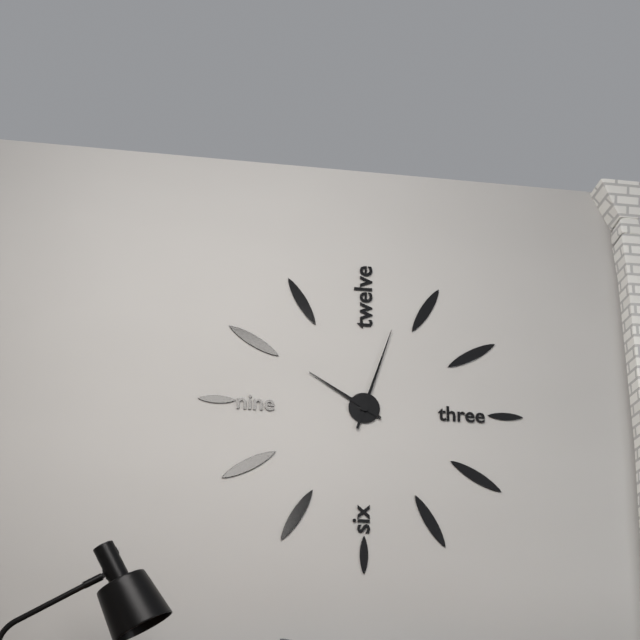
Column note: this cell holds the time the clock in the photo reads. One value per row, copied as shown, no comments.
10:03
